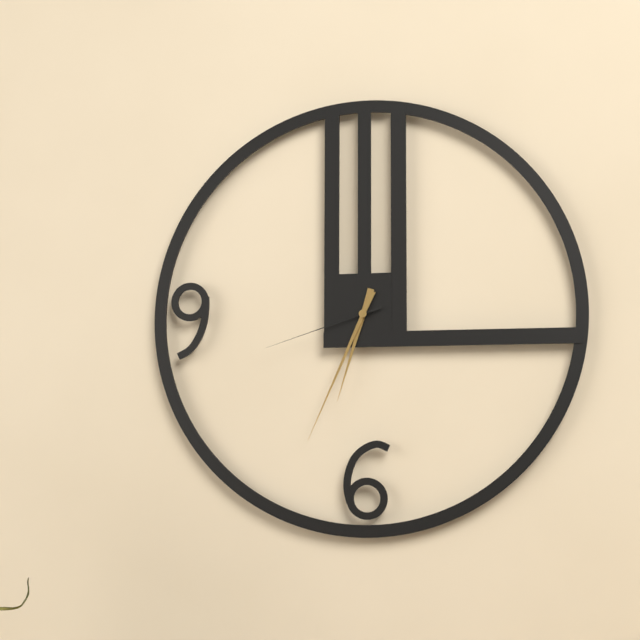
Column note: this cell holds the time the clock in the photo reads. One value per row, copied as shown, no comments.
6:34:42
